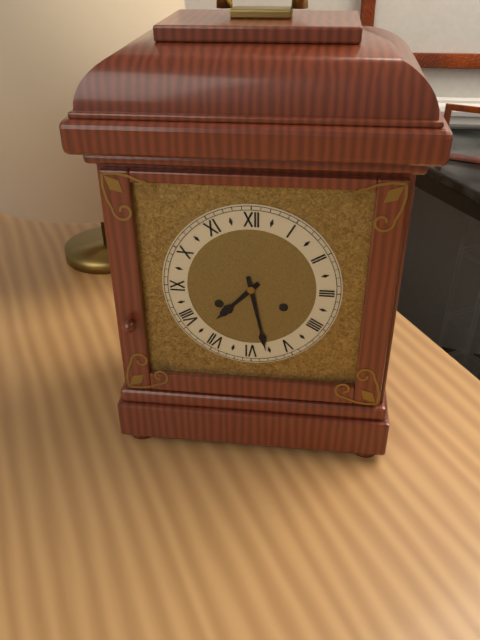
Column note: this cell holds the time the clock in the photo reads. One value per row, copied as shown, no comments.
7:28
